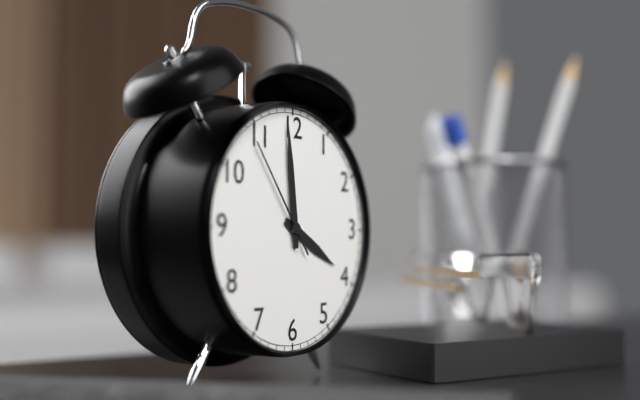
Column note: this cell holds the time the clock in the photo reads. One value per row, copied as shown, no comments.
3:59:54
